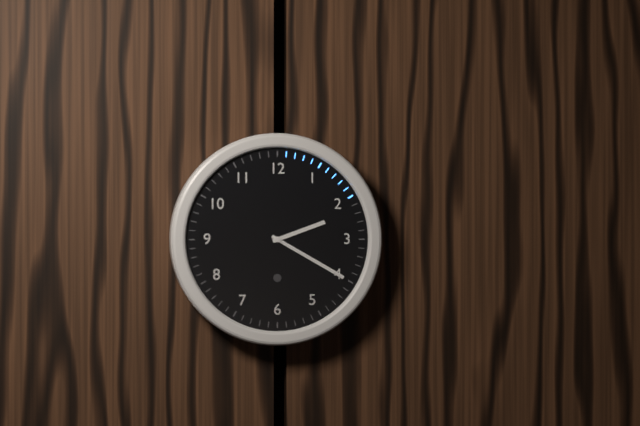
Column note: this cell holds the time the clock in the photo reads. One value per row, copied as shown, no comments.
2:20
